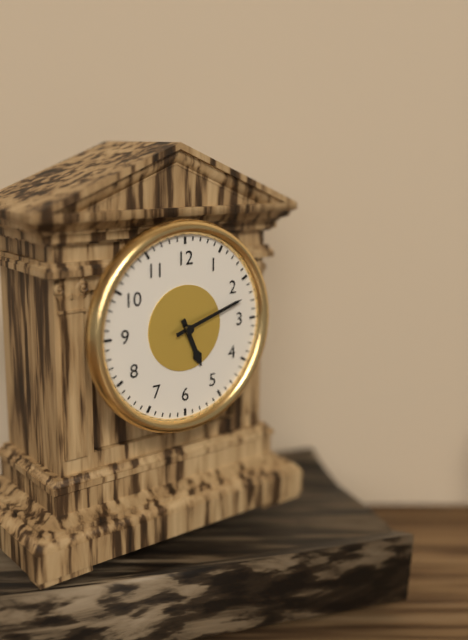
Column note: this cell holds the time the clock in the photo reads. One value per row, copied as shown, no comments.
5:12
